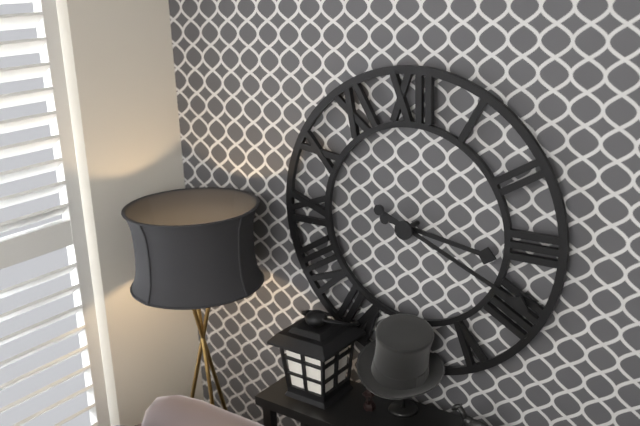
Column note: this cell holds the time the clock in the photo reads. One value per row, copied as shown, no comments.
3:19
